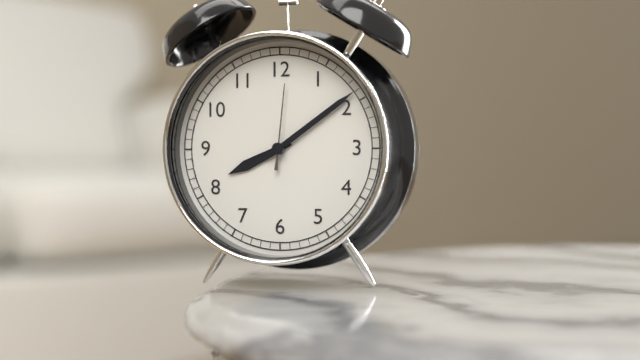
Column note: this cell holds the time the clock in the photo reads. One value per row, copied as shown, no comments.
8:09:01
